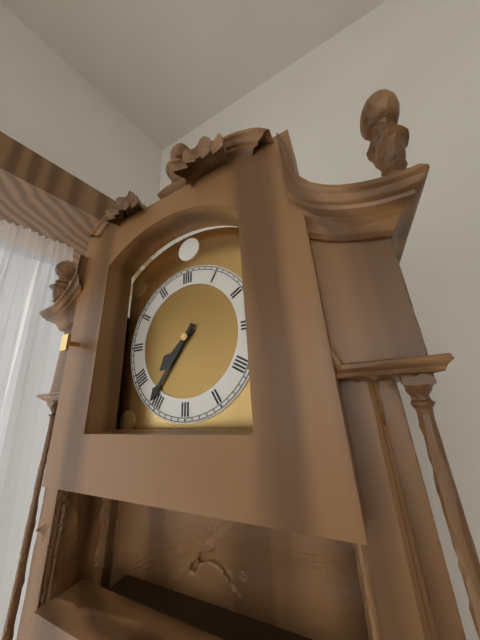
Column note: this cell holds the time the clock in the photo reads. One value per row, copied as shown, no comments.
7:36
